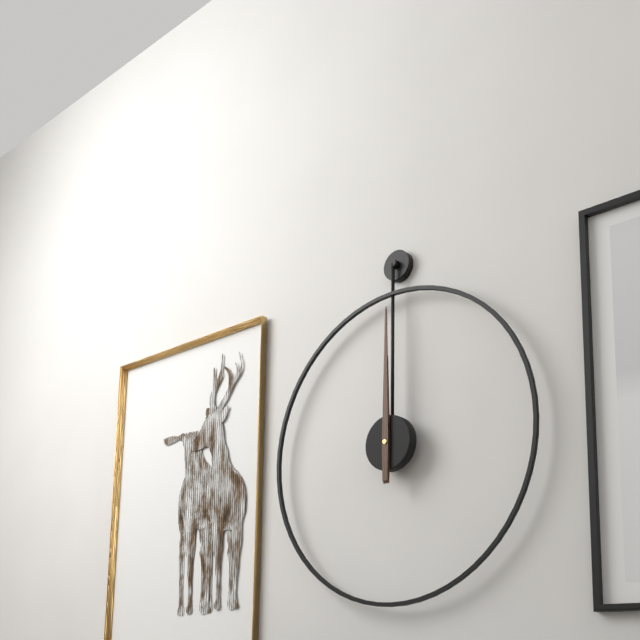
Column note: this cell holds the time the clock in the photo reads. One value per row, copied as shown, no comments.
12:00
